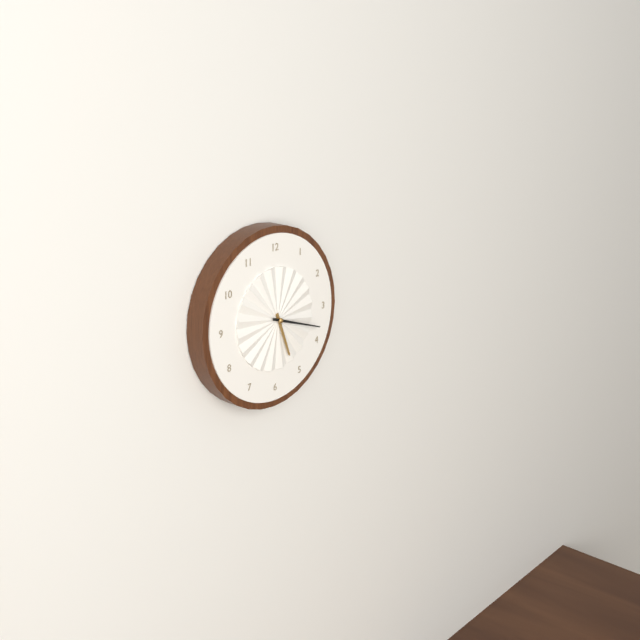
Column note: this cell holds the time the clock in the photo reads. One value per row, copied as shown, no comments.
5:18
